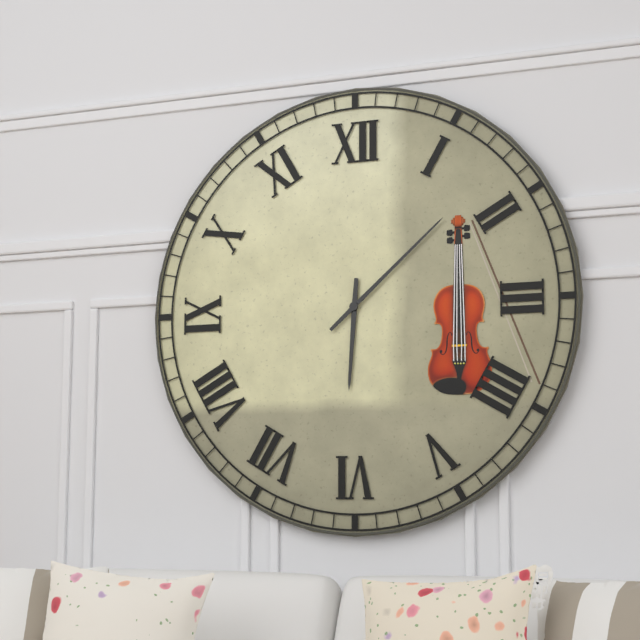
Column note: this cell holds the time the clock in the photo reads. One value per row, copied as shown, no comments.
6:08
